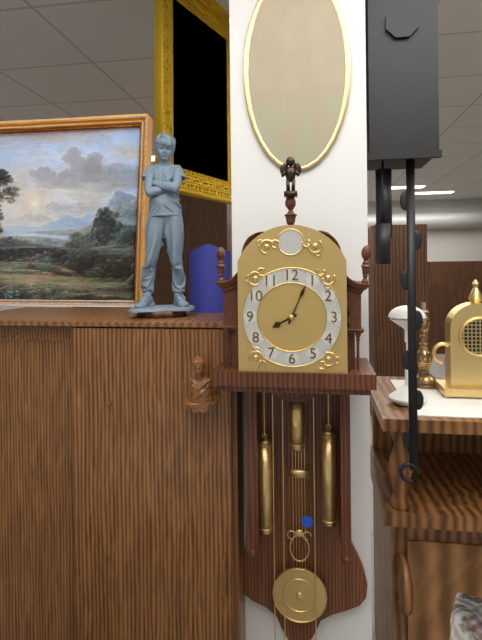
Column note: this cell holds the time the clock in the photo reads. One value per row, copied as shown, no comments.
8:04
